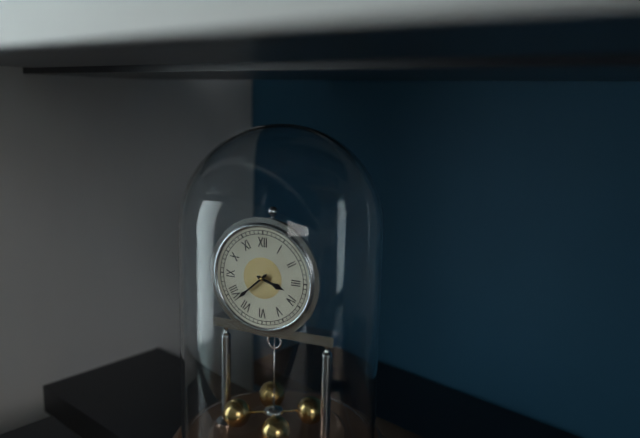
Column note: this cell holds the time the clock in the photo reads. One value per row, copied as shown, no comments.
3:38
